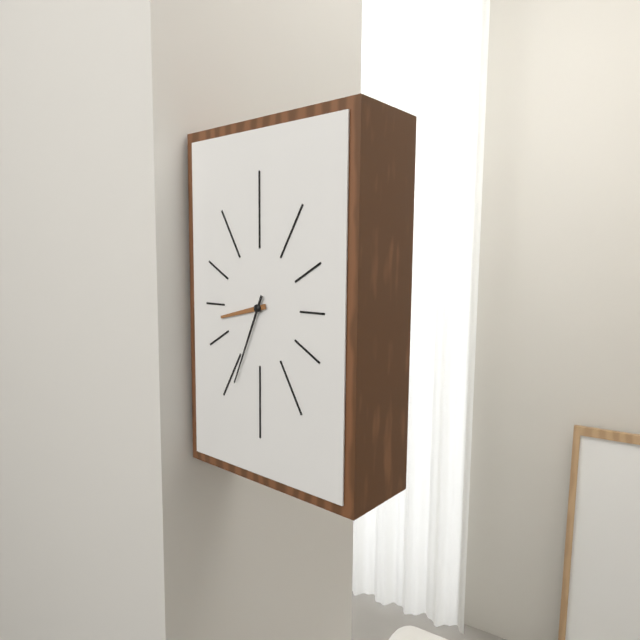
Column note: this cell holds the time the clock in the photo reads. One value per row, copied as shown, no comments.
8:34
